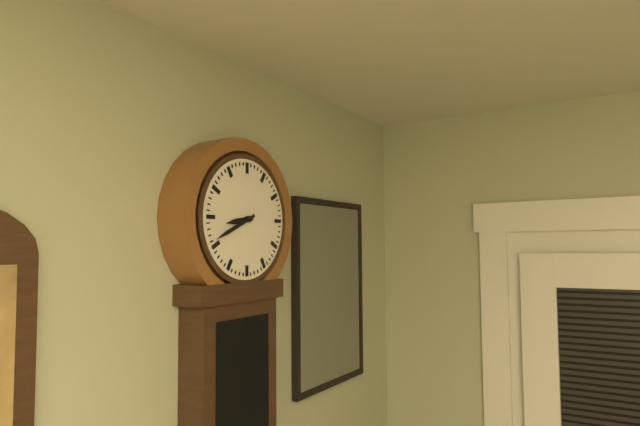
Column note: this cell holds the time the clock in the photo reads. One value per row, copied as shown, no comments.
8:41
